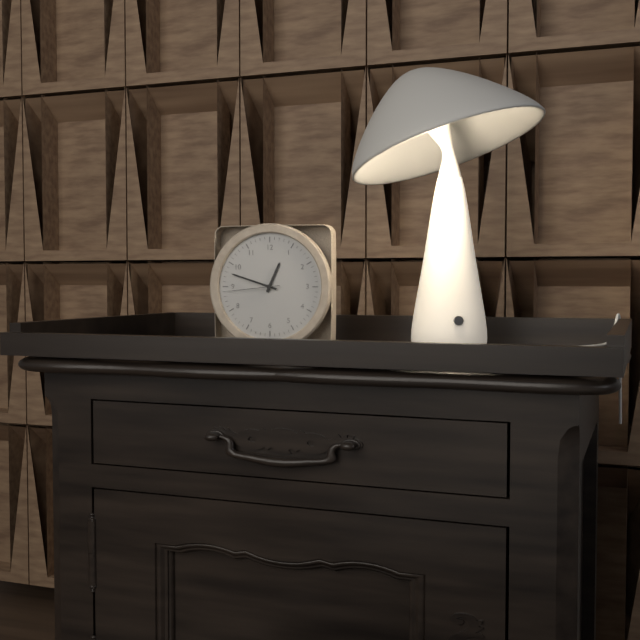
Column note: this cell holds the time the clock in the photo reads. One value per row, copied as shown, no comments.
12:48:44
